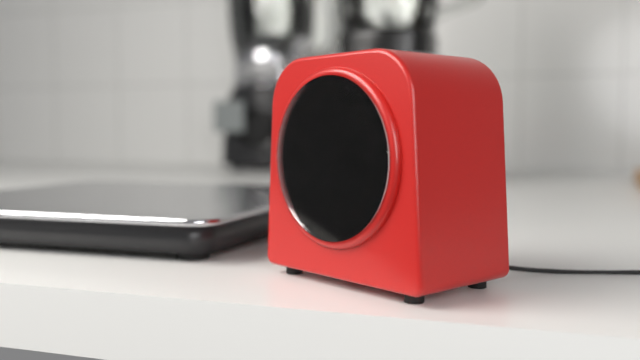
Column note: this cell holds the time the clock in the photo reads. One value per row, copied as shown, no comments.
3:58
